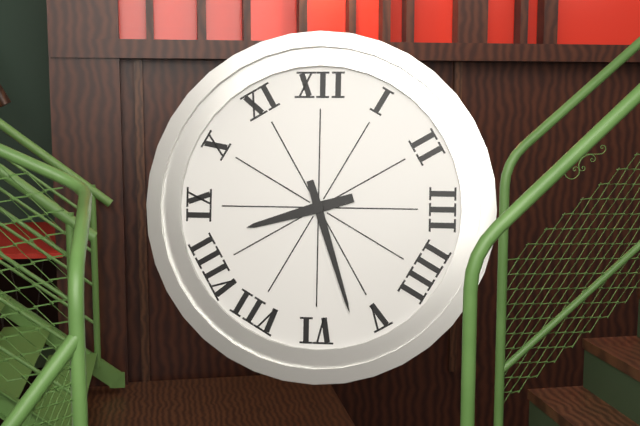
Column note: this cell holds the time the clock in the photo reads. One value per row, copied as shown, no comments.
8:27
